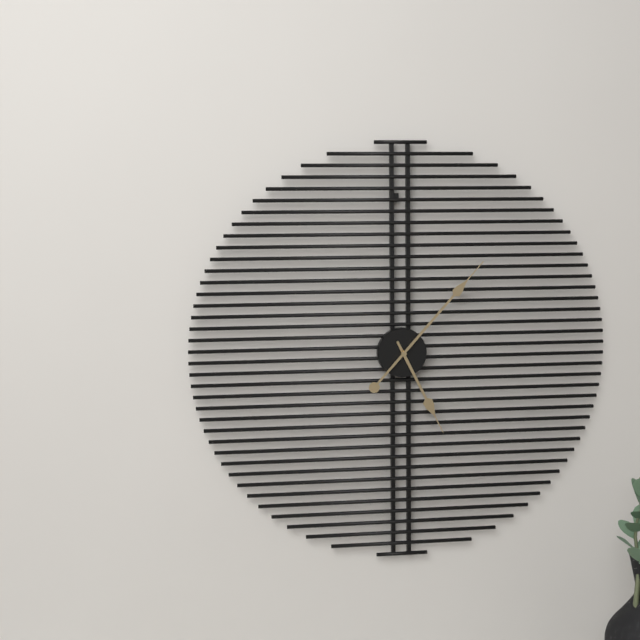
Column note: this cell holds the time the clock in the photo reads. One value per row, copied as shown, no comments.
5:07
